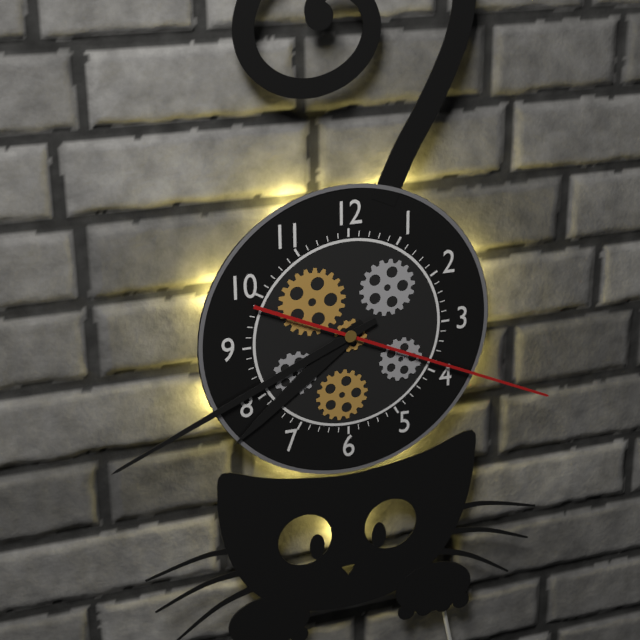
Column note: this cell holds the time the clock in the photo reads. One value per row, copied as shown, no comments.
7:41:19
